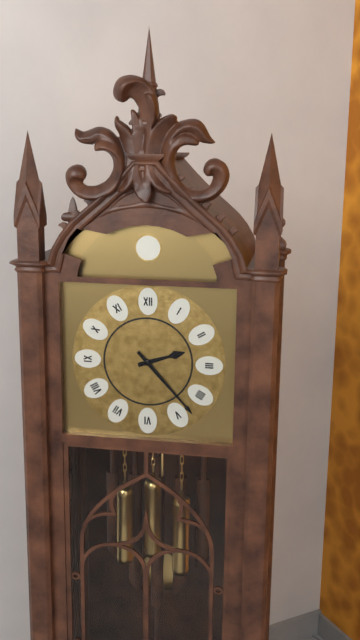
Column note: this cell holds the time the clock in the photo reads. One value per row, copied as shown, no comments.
2:23
